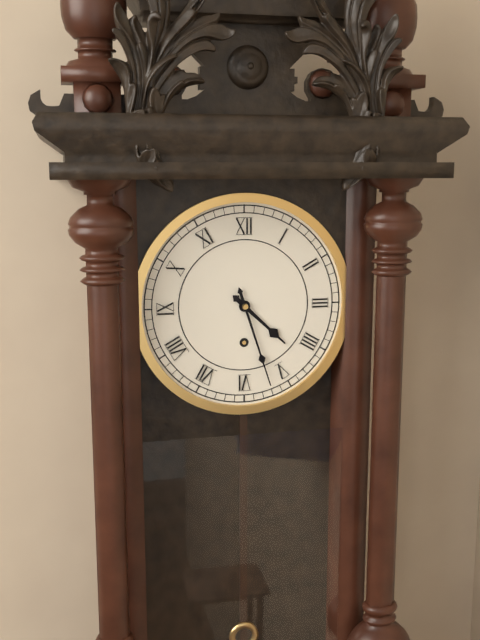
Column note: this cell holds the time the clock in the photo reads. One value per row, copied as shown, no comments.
4:27
